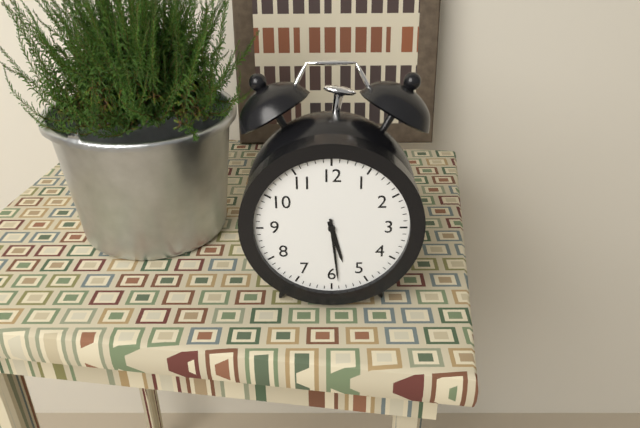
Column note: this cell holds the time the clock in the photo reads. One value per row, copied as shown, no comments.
5:29
